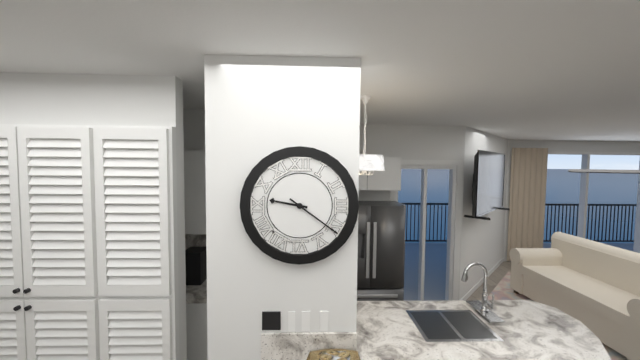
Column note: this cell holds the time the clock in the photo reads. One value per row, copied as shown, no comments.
9:21
